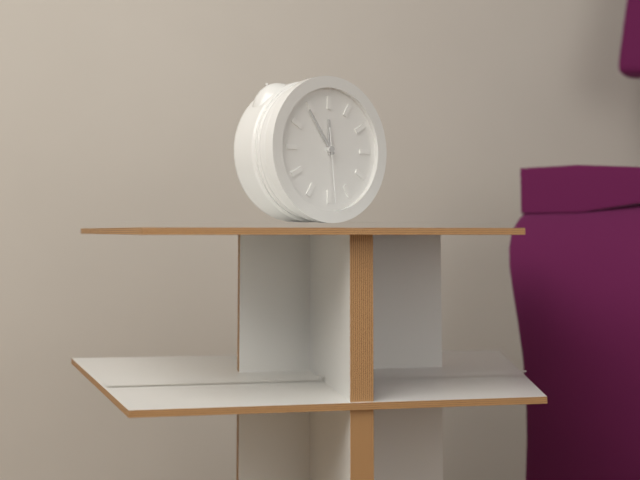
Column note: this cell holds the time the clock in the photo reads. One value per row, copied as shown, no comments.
11:54:29
